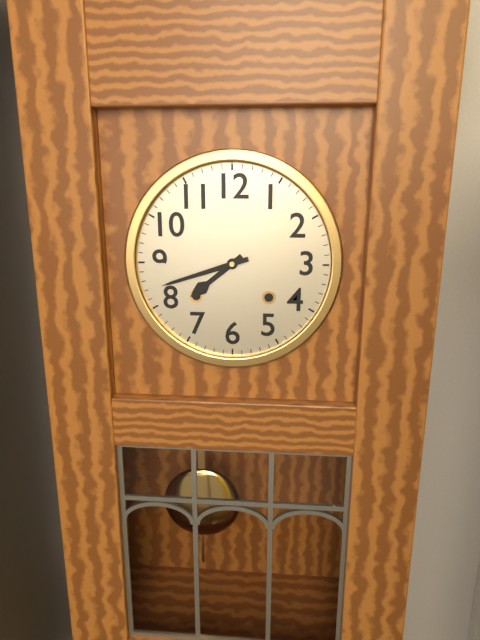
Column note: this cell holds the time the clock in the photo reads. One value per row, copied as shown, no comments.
7:42
